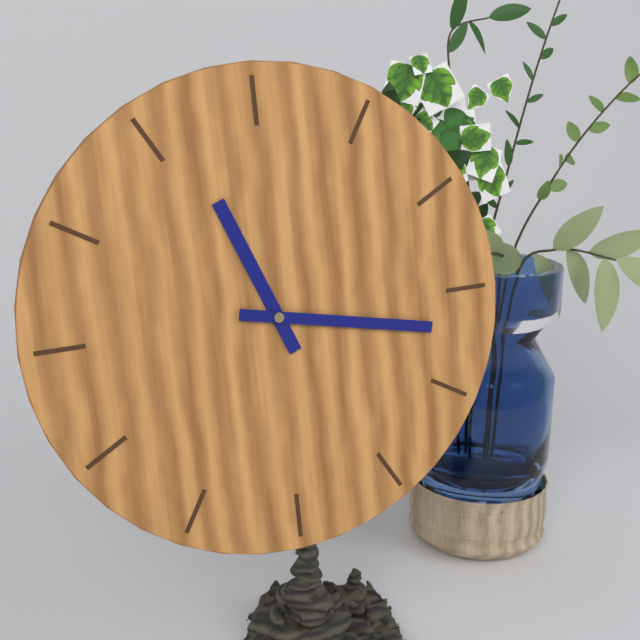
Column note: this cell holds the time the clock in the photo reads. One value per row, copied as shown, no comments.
11:17
